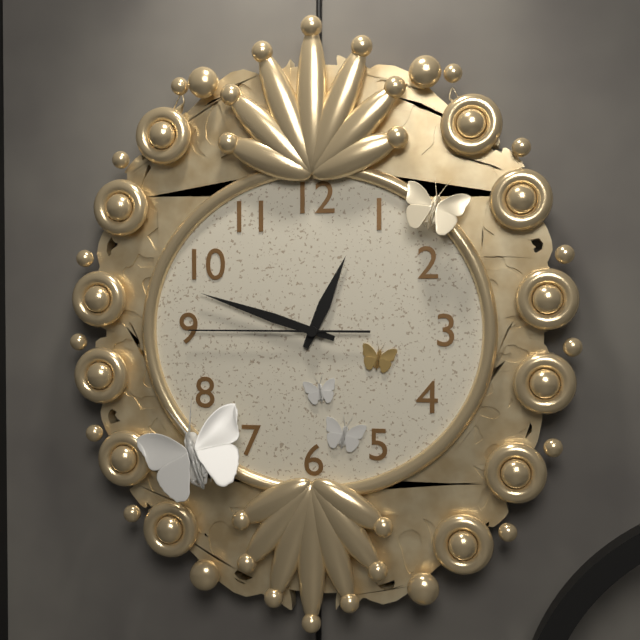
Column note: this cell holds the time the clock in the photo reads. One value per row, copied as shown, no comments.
12:48:45
